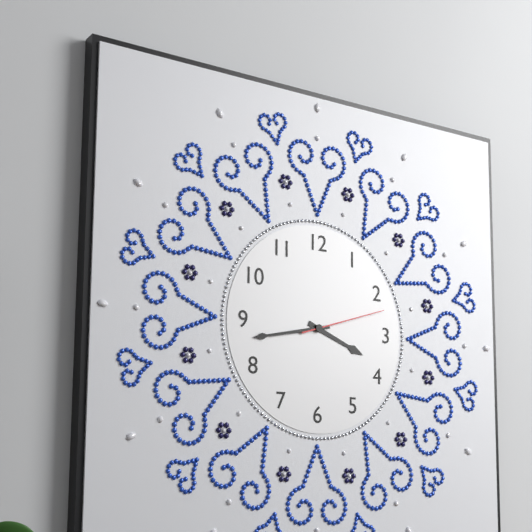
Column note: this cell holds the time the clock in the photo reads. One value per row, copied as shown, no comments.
3:43:12
